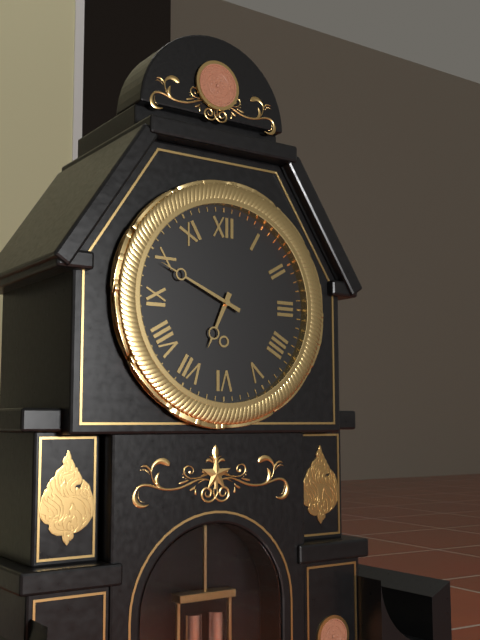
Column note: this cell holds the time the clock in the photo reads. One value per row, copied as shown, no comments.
6:49
